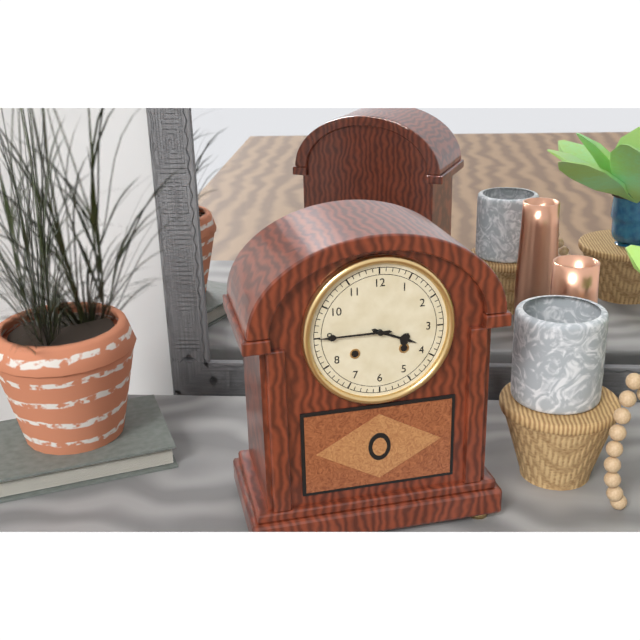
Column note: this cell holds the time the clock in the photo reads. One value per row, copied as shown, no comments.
3:45
